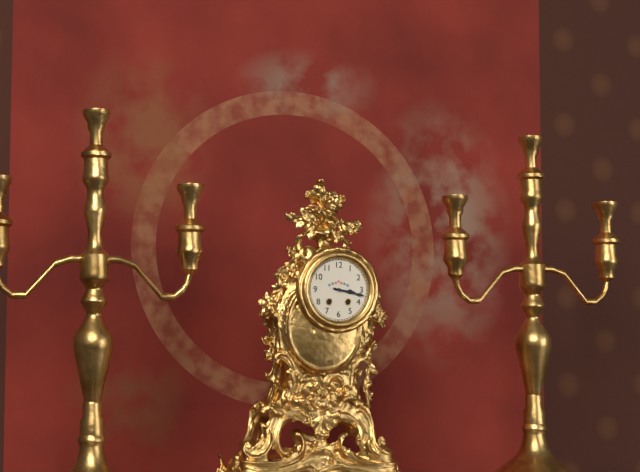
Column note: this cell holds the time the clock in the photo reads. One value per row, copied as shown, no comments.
3:17
